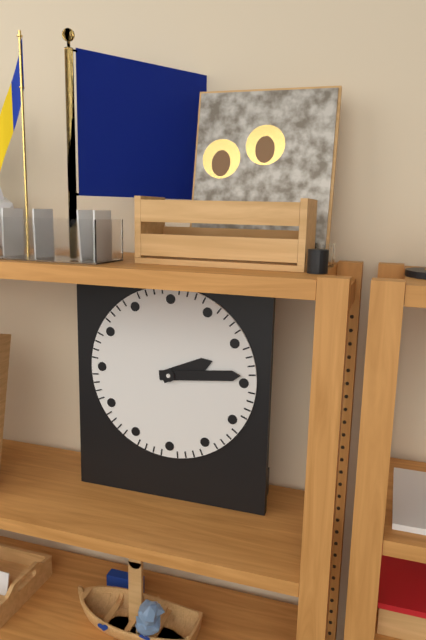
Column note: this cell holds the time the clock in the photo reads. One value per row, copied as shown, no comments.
2:14
